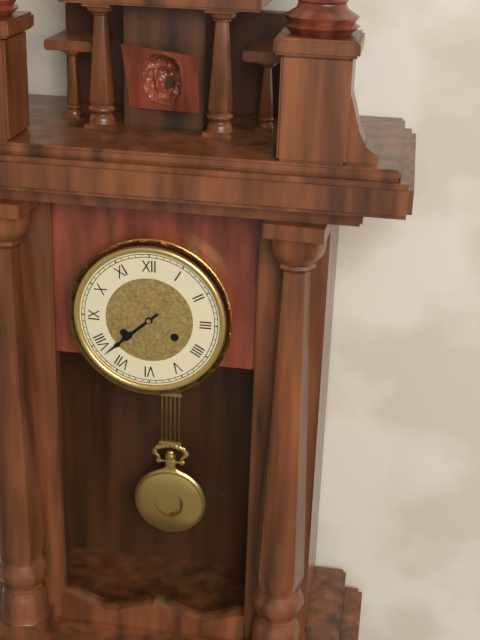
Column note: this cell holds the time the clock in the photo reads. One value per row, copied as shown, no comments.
7:38
